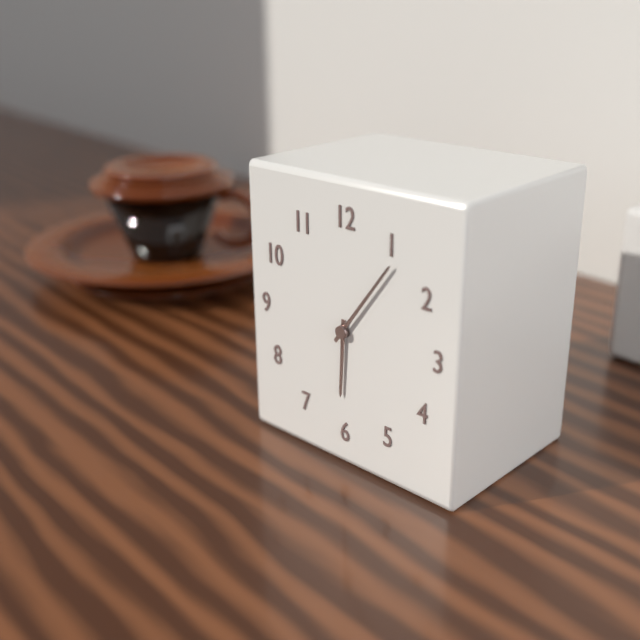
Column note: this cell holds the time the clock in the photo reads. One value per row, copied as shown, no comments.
6:06
